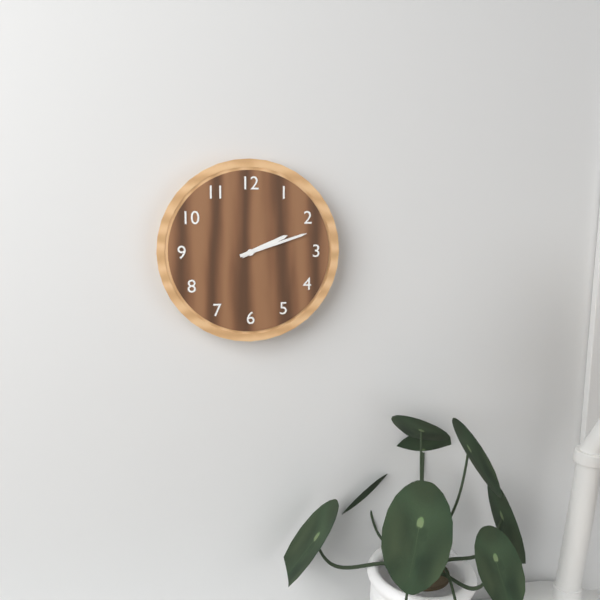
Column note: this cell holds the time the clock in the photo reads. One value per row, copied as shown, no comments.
2:12
